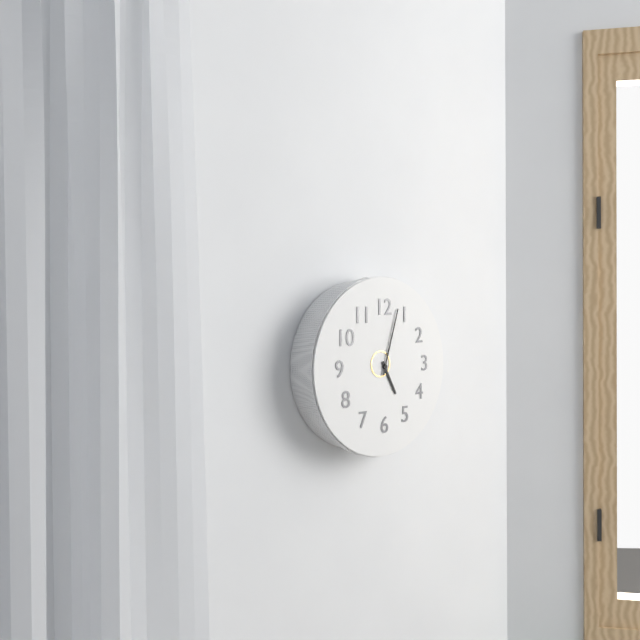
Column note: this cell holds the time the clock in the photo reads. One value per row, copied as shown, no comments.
5:03
